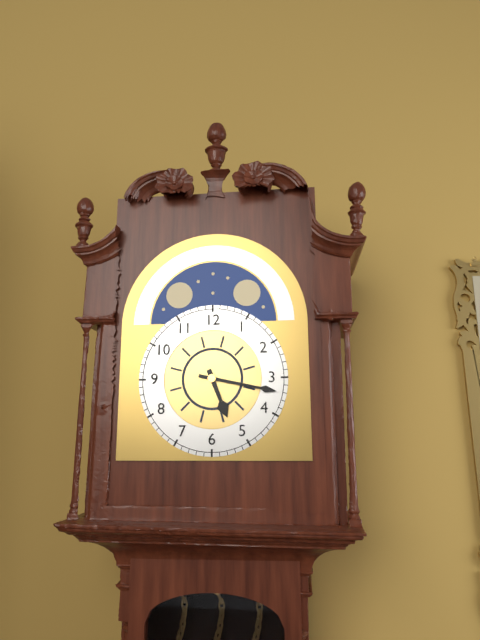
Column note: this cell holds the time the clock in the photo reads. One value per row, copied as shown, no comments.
5:17
